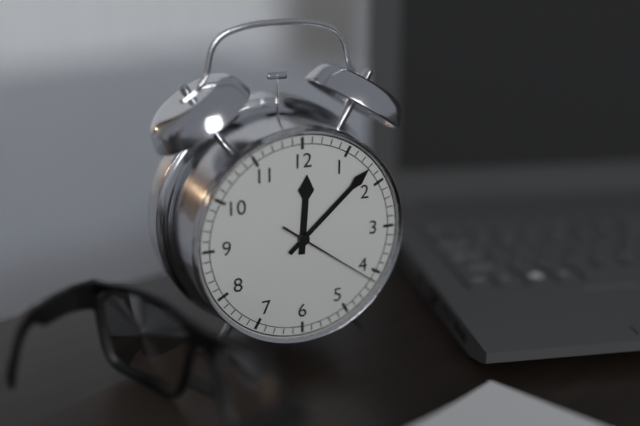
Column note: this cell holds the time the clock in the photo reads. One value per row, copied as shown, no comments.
12:08:21
